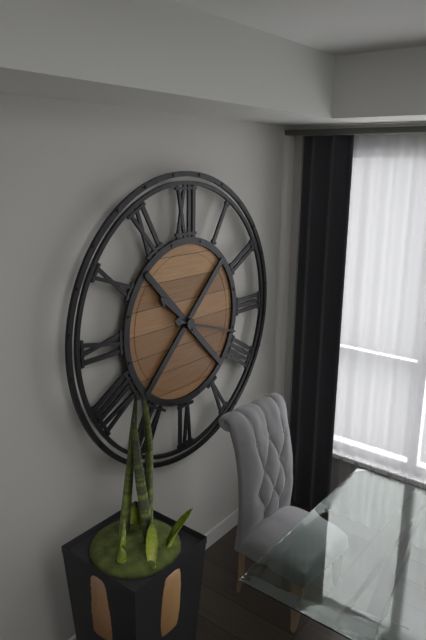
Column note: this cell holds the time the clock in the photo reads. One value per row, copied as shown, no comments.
10:18
